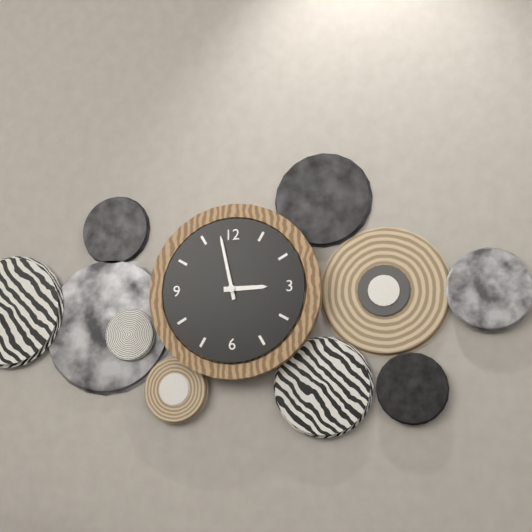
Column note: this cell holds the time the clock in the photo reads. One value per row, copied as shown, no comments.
2:58
